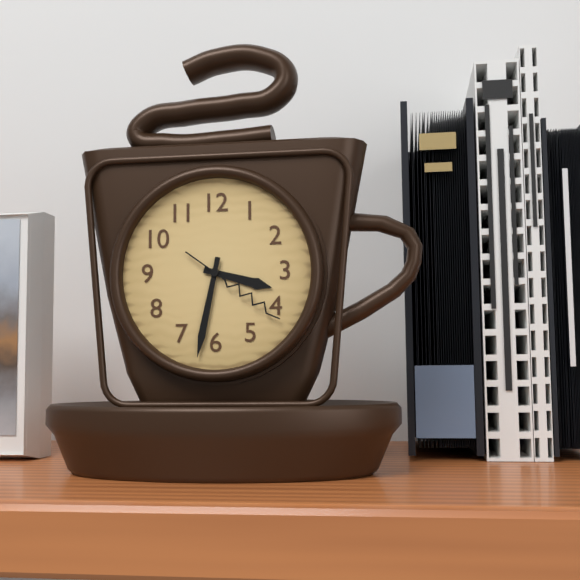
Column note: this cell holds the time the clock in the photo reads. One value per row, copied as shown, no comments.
3:32:21
